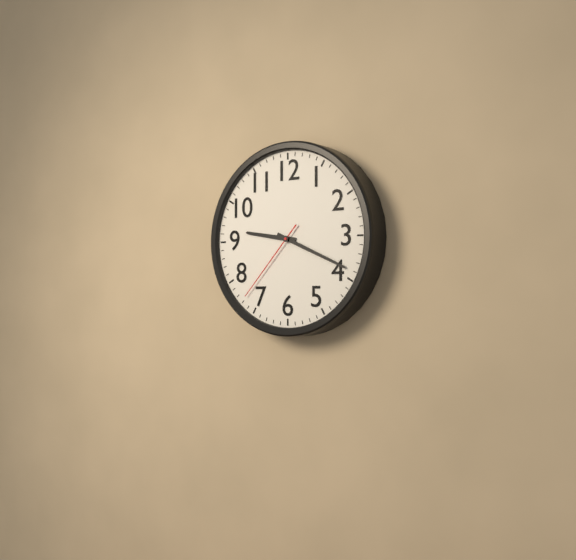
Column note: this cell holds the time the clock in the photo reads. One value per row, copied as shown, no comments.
9:19:37
